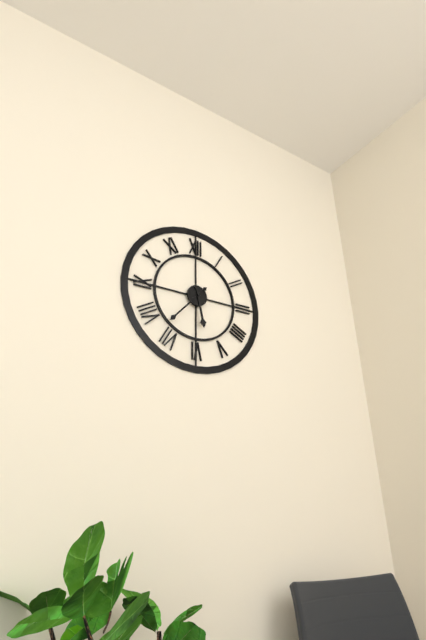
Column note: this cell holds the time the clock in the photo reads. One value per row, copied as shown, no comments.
5:37
